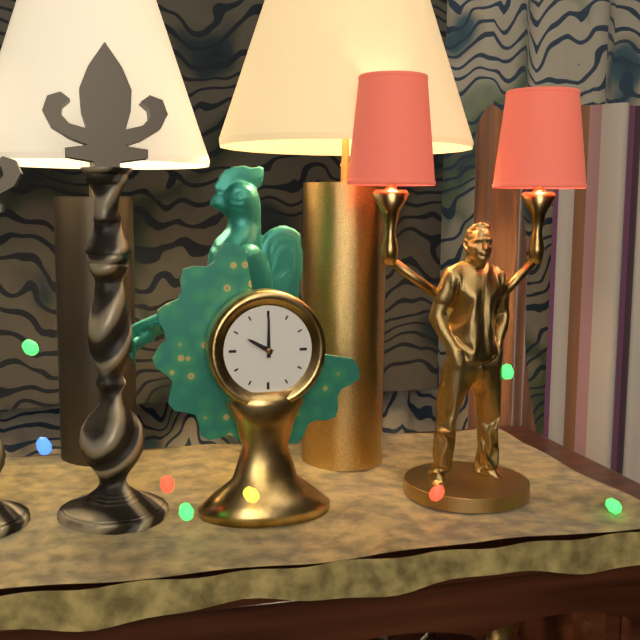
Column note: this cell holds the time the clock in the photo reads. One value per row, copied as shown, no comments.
10:00
